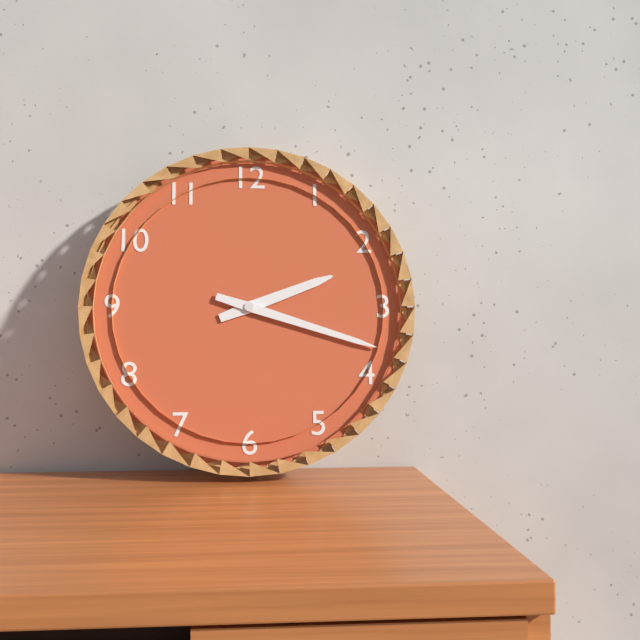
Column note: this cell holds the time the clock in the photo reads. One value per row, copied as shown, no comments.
2:18
